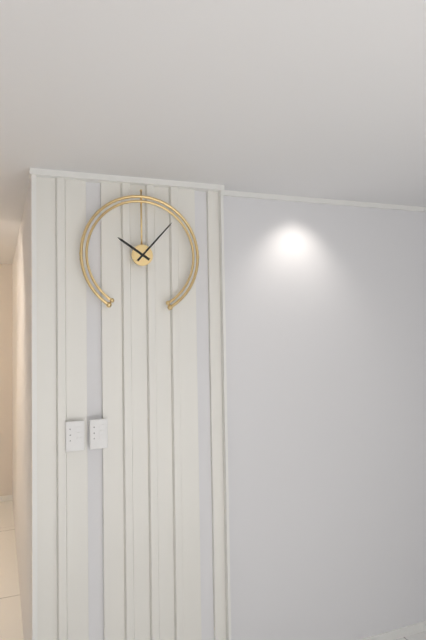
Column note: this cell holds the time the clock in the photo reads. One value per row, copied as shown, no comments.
10:07
